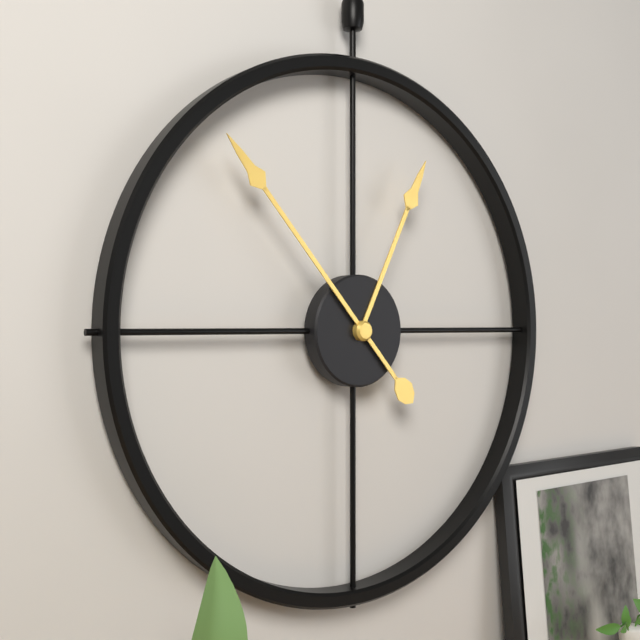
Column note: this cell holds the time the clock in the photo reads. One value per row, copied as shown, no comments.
12:53
